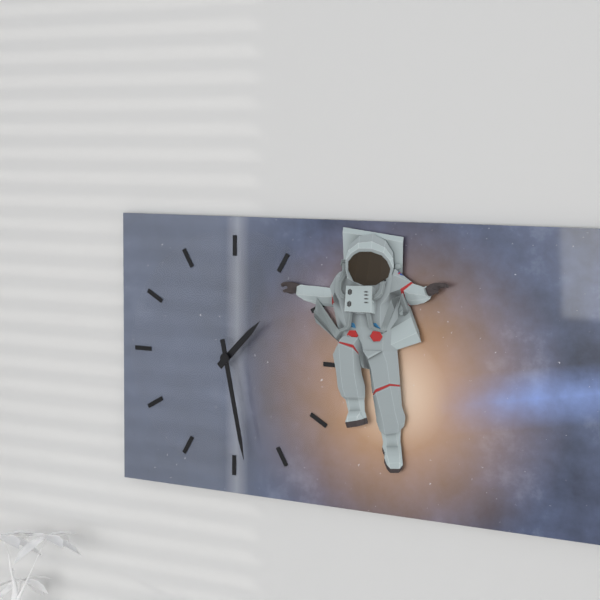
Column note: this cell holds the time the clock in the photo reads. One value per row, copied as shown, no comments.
1:28
